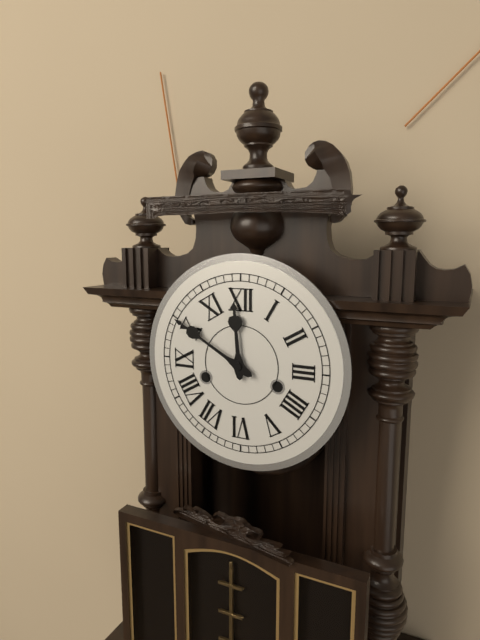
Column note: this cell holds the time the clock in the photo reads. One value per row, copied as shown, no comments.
11:50
